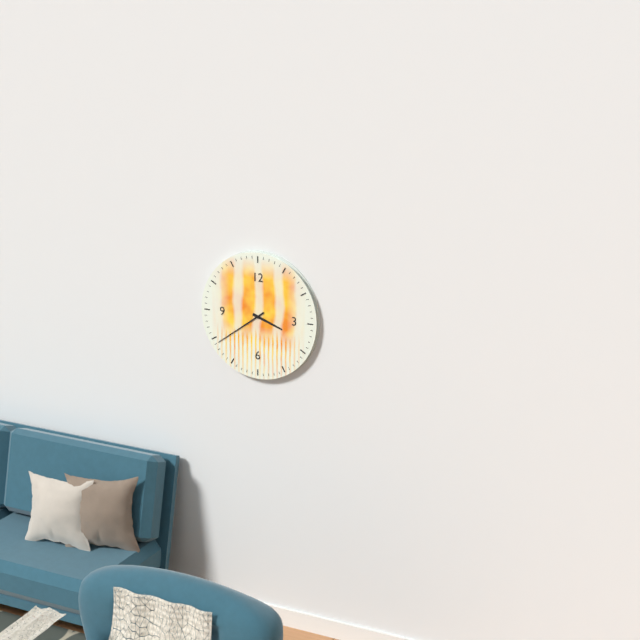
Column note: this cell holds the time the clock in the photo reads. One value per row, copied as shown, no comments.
3:39
